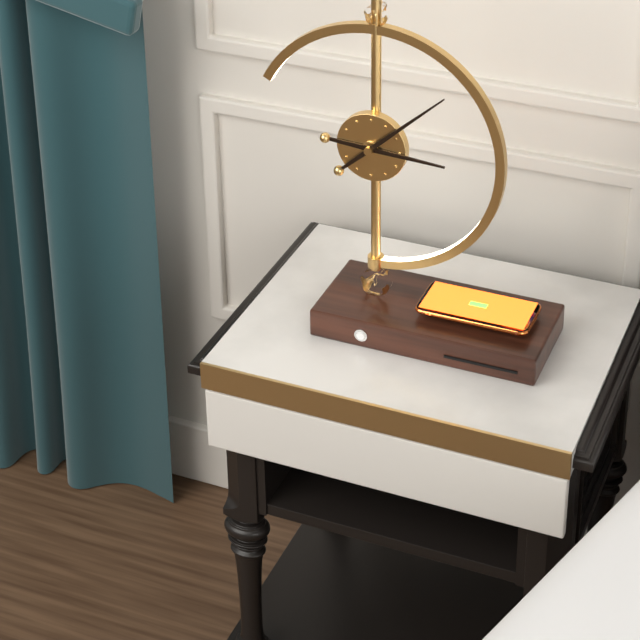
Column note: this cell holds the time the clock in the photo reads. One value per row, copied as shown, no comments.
3:08
